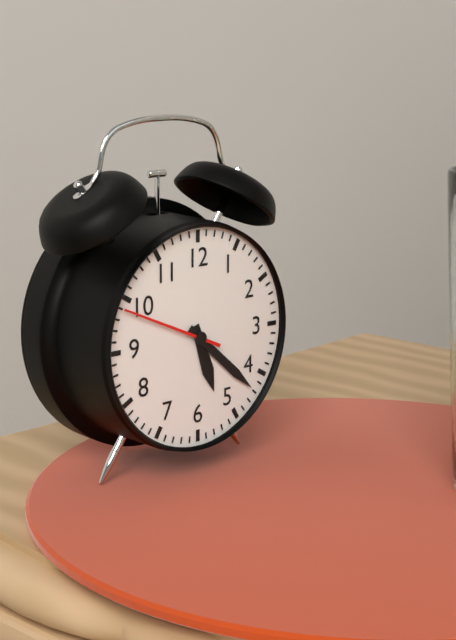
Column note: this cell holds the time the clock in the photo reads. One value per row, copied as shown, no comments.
5:22:49
